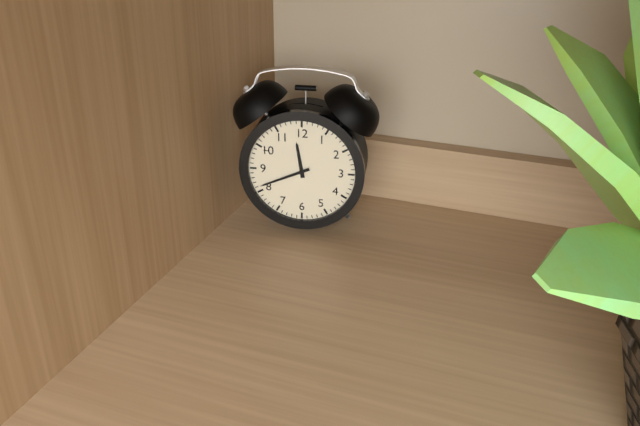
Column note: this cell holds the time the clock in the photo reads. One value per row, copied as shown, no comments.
11:41
